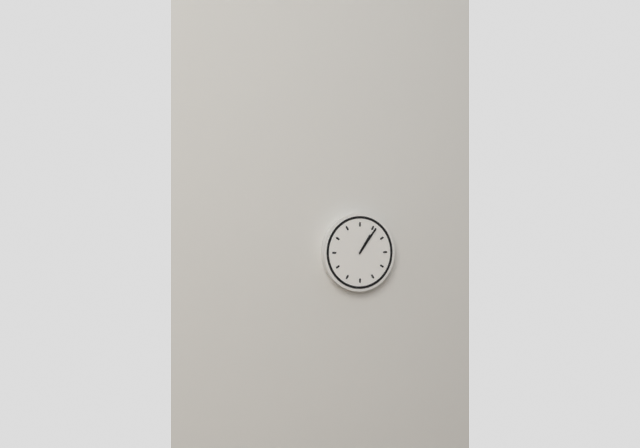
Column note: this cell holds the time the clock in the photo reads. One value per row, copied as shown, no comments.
1:06
